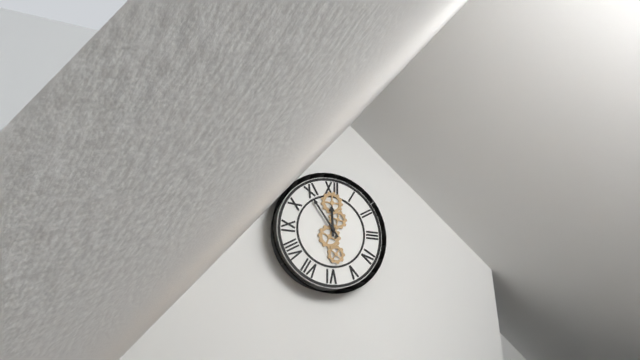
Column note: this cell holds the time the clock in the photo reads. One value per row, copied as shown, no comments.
11:54
